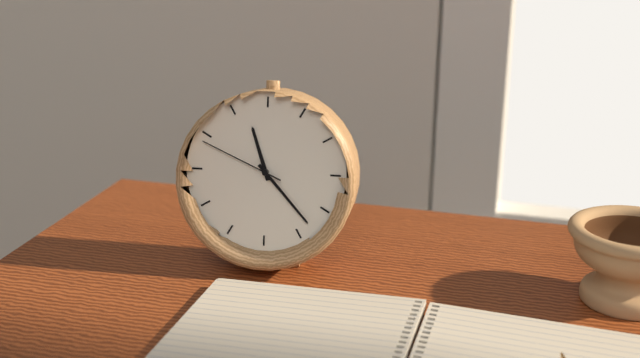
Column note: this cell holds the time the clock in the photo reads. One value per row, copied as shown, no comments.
11:23:49
